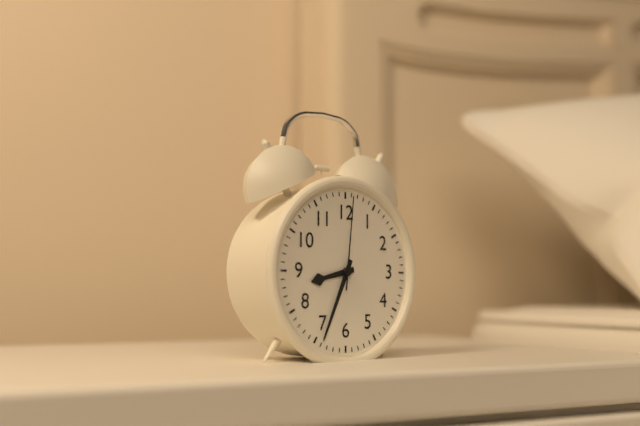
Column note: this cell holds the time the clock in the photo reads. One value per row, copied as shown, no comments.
8:34:01
